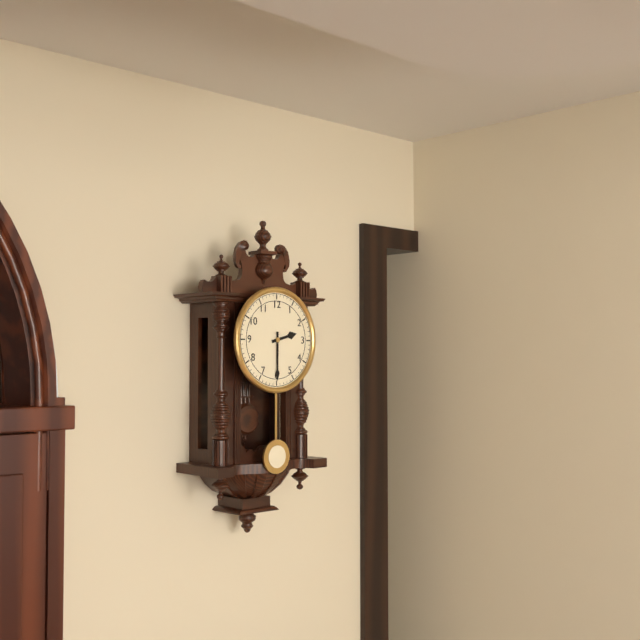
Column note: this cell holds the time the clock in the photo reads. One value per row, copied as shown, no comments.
2:30
